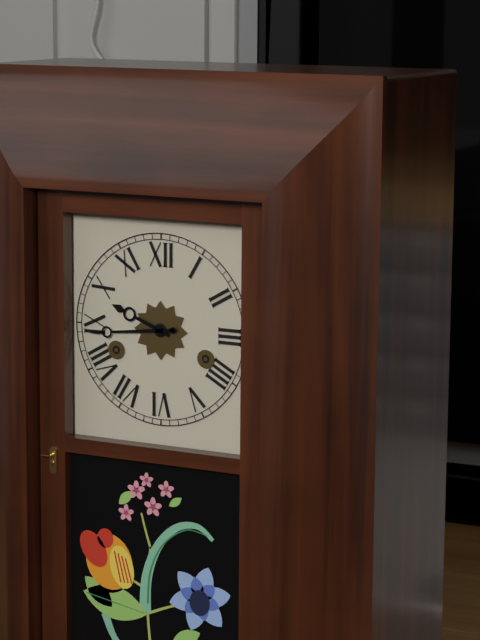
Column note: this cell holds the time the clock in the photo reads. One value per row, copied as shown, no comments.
9:44
